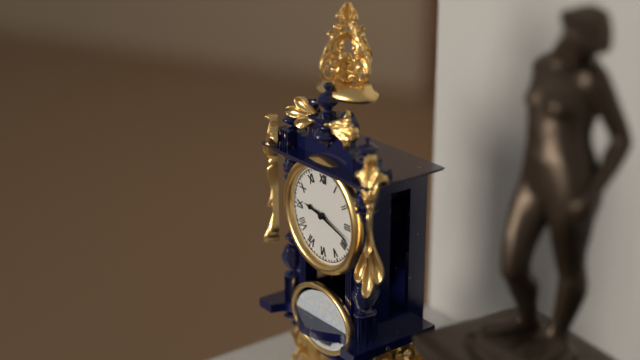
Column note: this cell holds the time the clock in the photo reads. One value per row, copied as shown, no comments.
9:18
